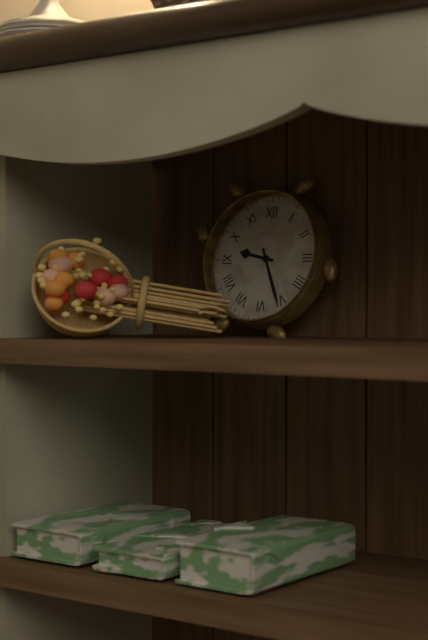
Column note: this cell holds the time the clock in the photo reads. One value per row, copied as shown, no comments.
9:26
